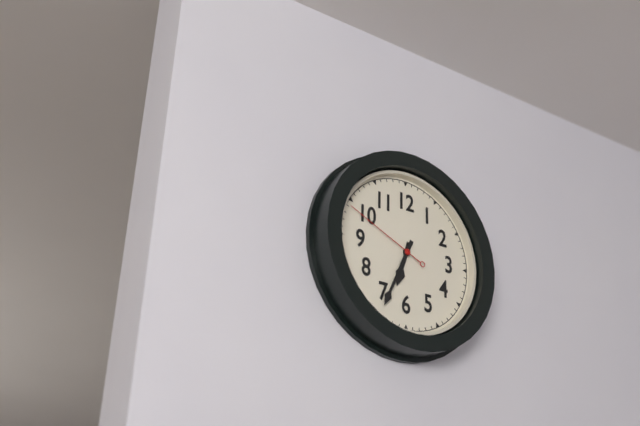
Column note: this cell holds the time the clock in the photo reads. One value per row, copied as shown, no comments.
6:34:49
